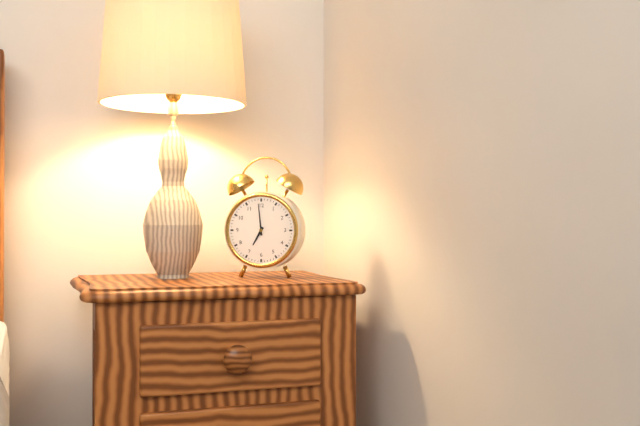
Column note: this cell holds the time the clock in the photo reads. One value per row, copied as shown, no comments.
6:59
